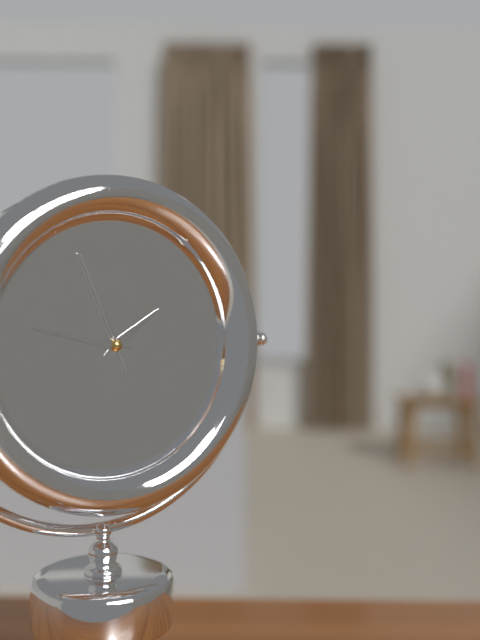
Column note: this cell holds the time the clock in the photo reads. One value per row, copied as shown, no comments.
1:47:56
